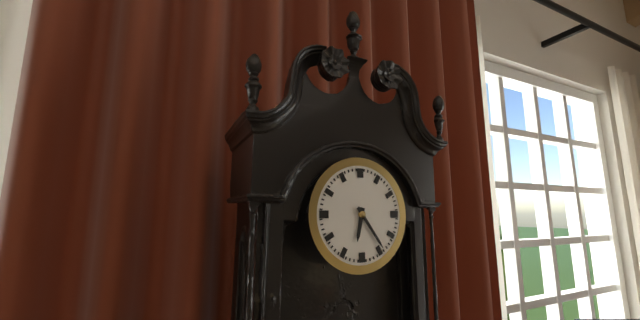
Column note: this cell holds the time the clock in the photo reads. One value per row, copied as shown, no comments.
6:24
